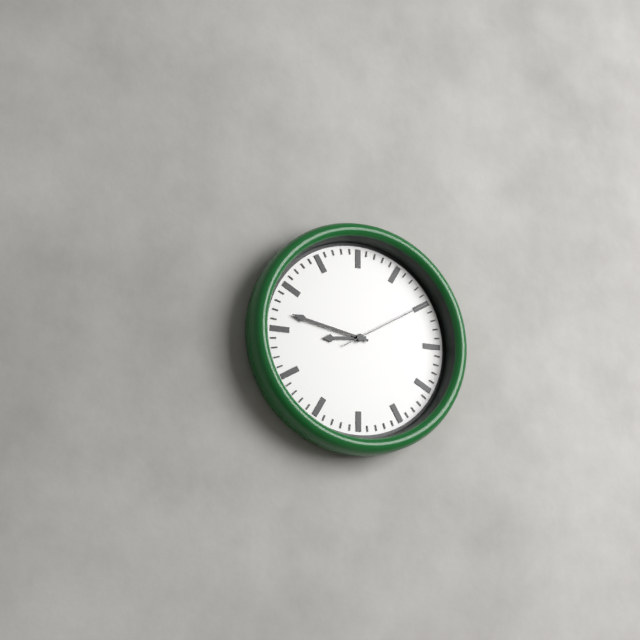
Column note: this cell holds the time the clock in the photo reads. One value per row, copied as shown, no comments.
8:47:10
